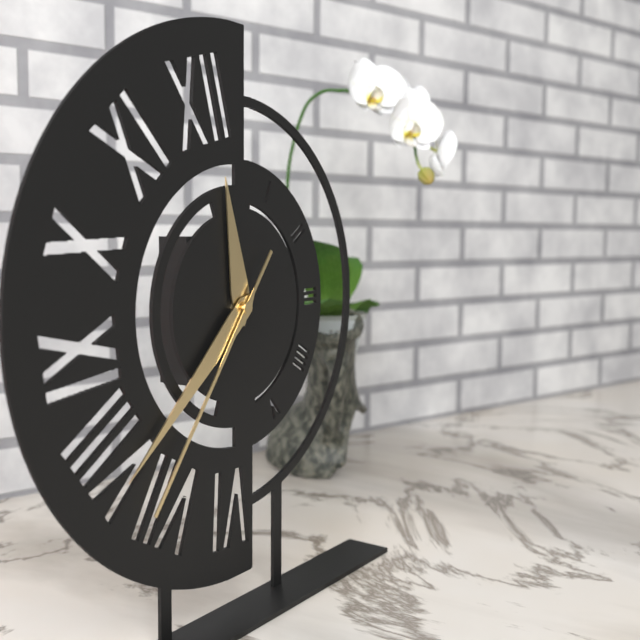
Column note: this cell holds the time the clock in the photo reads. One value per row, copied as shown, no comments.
11:38:36
